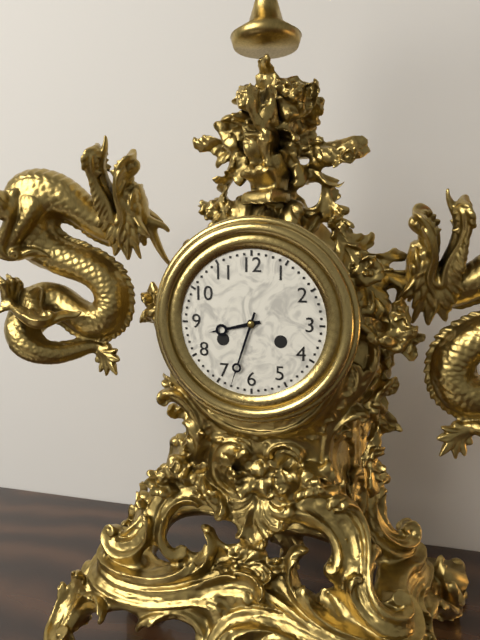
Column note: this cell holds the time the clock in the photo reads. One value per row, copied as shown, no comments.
8:33
